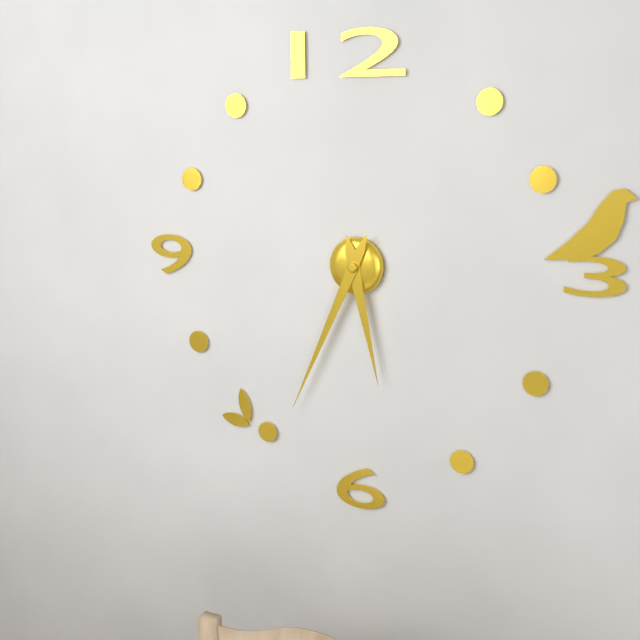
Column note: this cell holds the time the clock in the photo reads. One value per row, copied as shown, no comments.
5:34
